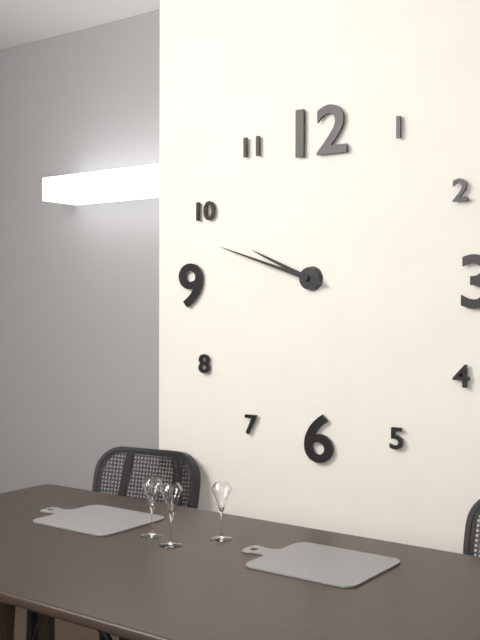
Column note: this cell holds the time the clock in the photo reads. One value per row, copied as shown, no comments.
9:48
